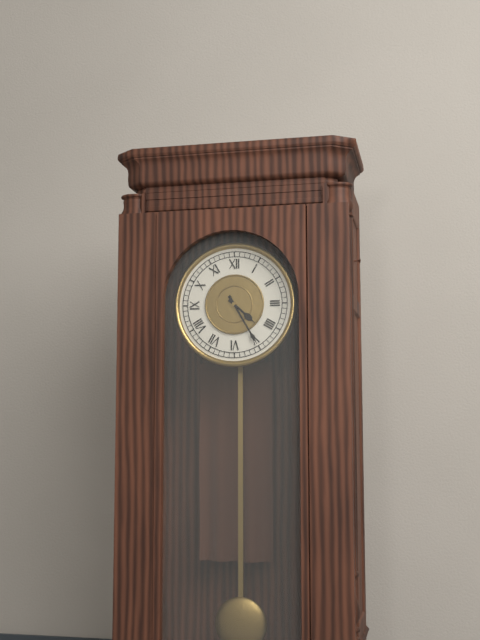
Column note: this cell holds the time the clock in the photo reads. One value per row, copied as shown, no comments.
4:25
